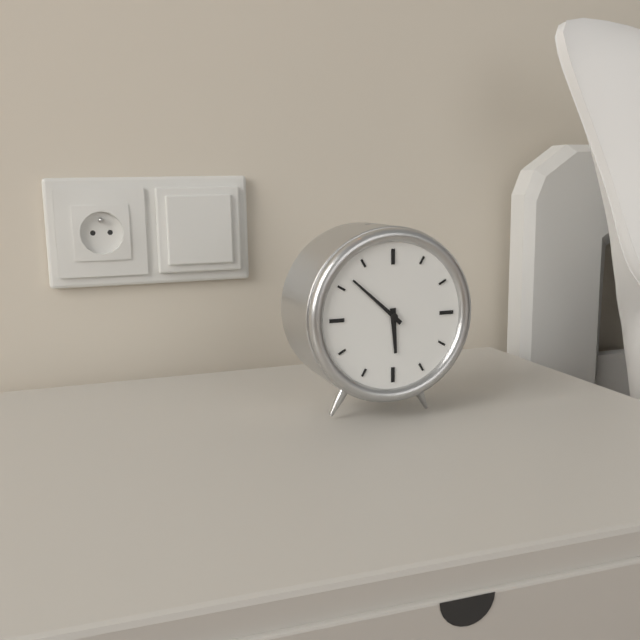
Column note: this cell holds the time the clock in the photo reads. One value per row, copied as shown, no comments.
5:52
